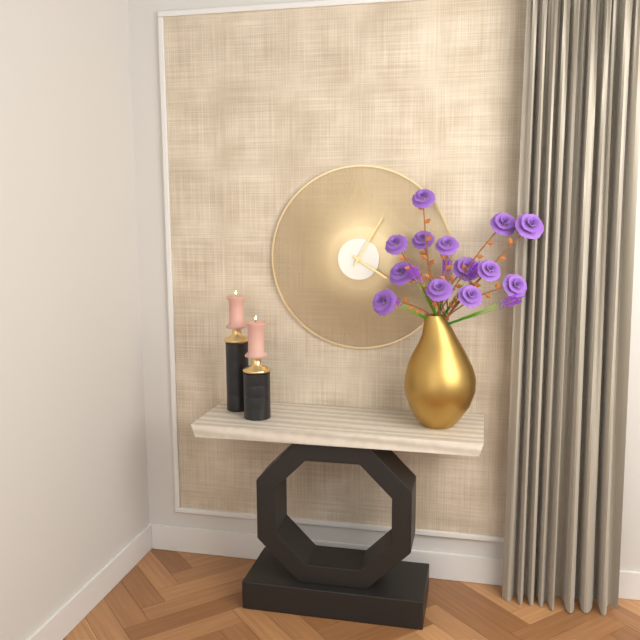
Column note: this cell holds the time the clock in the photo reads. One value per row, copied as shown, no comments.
4:05
